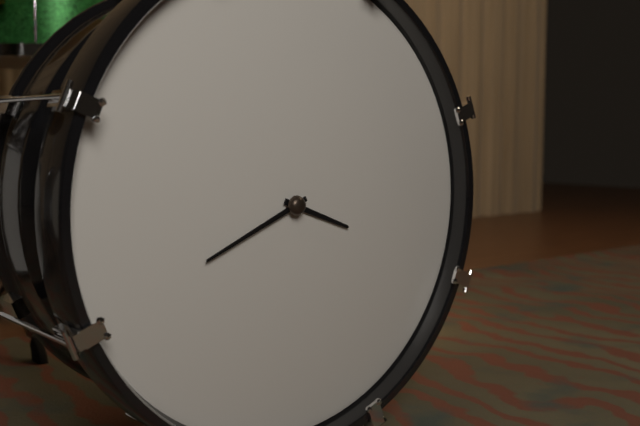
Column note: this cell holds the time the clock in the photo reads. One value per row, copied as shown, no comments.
3:41
